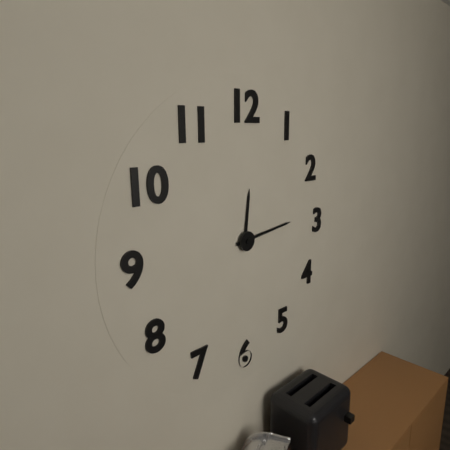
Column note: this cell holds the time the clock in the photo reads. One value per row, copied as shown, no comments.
12:14
